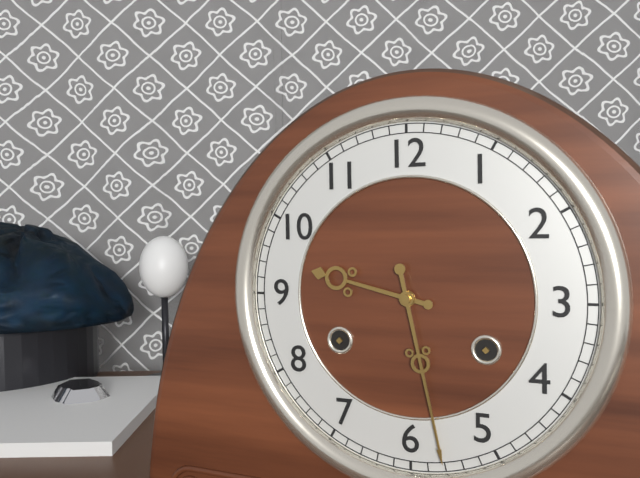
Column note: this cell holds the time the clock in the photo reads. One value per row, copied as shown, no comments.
9:28
